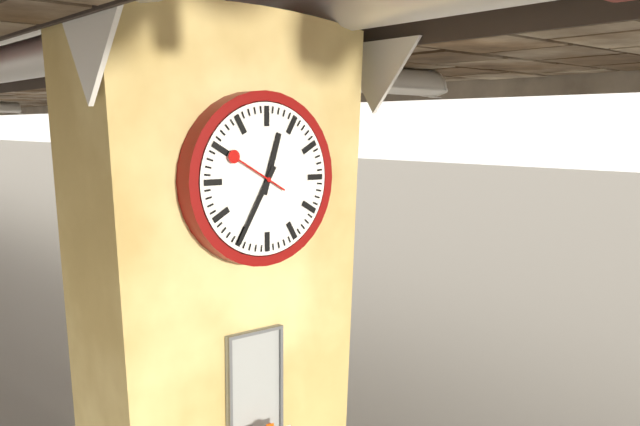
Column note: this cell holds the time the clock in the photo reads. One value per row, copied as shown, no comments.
12:35:50
